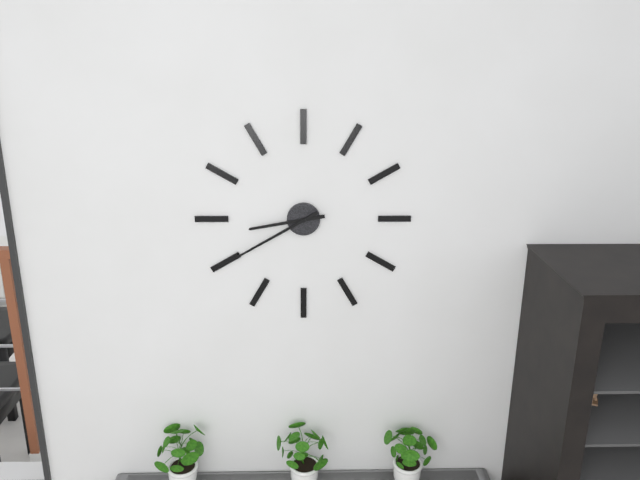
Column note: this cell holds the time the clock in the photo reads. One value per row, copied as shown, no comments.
8:40
